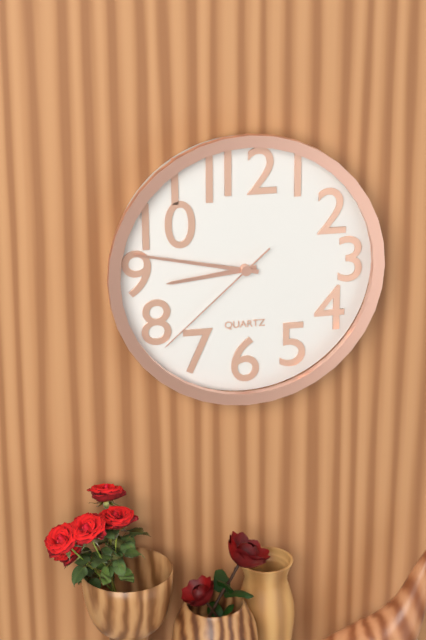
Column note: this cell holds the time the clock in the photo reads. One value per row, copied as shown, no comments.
8:47:38
